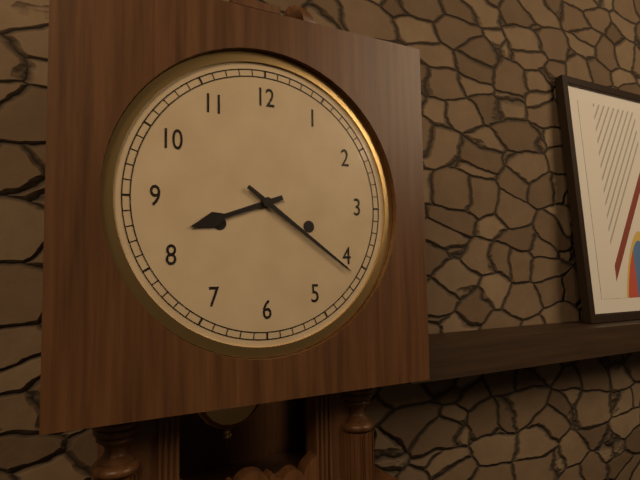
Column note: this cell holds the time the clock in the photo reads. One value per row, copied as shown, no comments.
8:21
